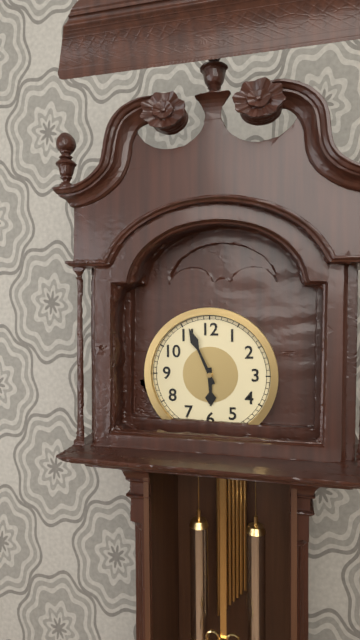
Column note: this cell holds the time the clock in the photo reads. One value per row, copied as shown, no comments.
5:56
